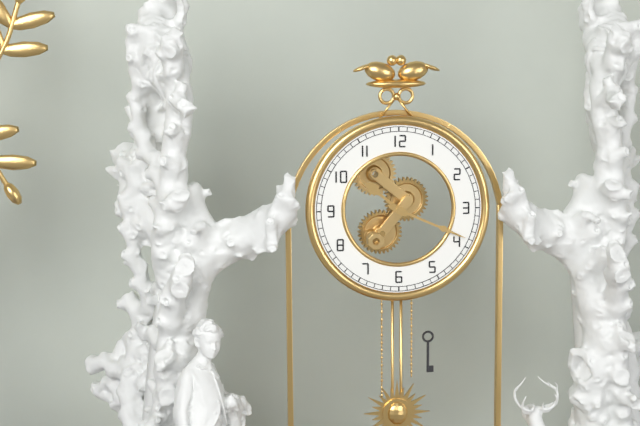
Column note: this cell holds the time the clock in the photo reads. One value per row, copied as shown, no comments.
10:19
